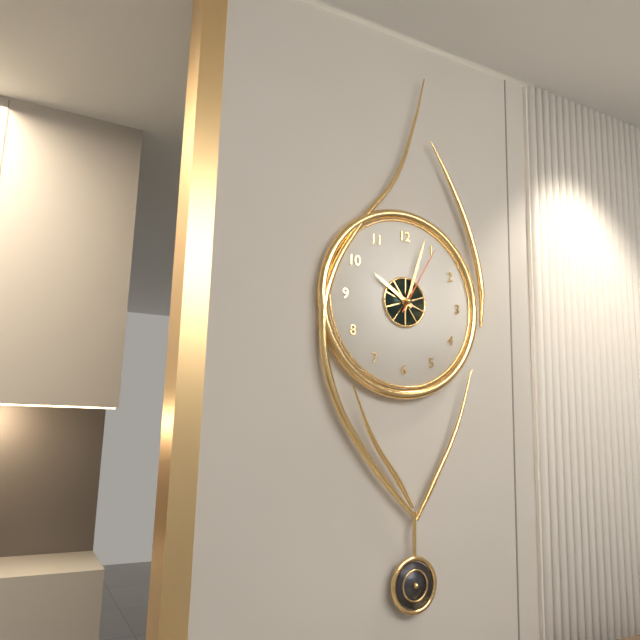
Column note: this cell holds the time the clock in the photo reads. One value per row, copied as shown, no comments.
10:03:05
